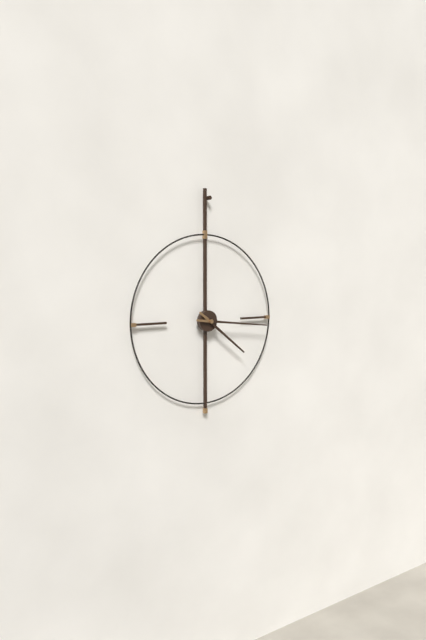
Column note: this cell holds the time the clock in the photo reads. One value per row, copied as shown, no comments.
4:16
